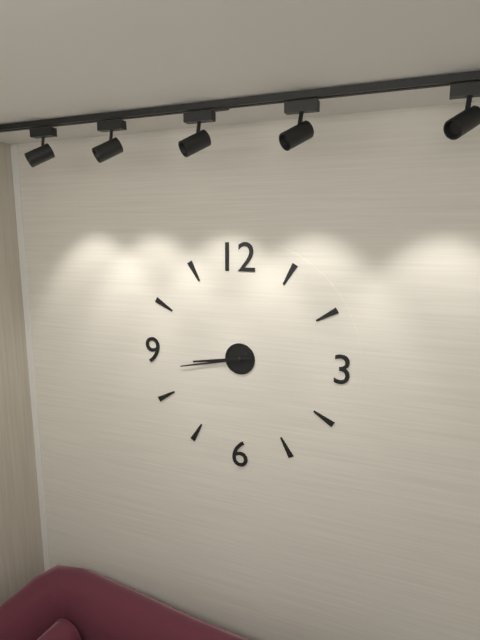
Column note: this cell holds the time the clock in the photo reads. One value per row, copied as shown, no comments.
8:43
